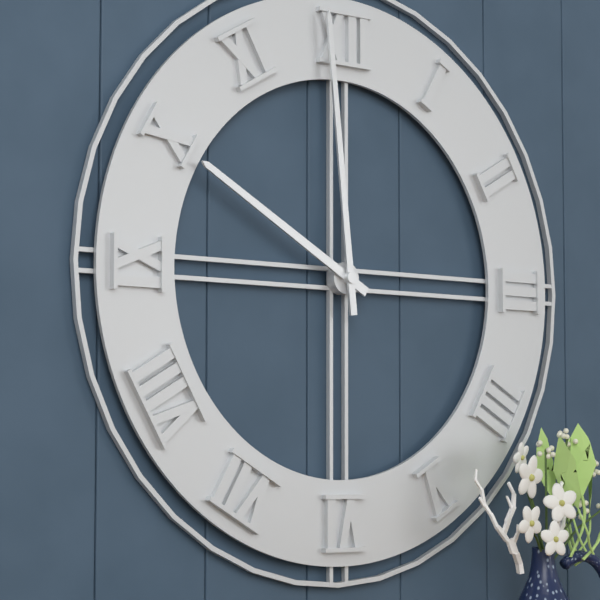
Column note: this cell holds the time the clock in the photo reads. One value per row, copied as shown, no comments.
9:59
